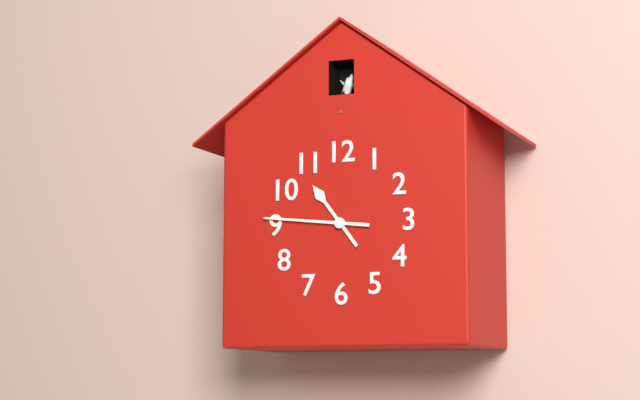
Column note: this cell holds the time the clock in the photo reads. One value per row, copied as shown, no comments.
10:46
